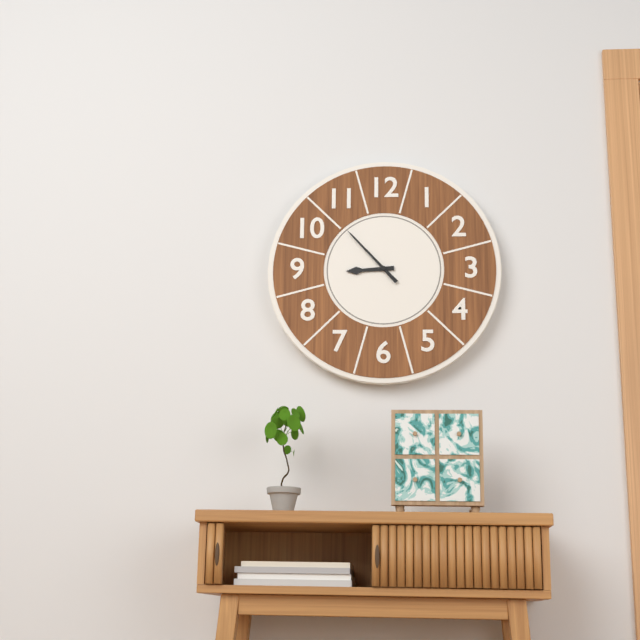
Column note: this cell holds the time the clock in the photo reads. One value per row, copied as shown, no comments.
8:53
